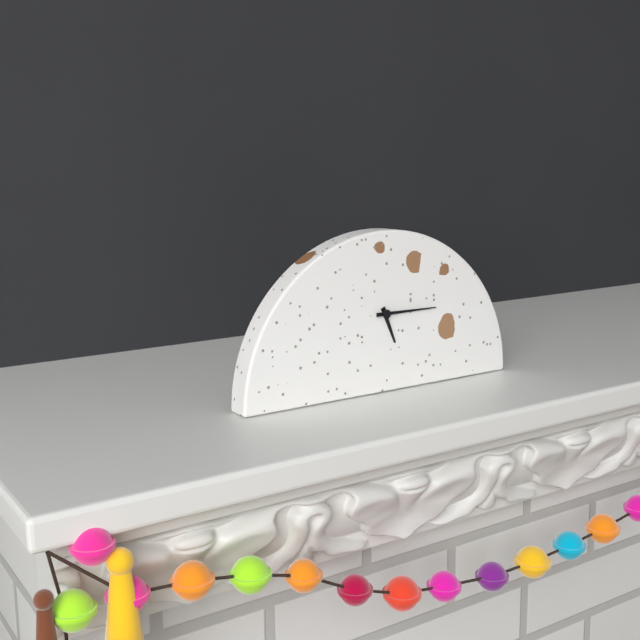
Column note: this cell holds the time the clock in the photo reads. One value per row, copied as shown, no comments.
5:15
